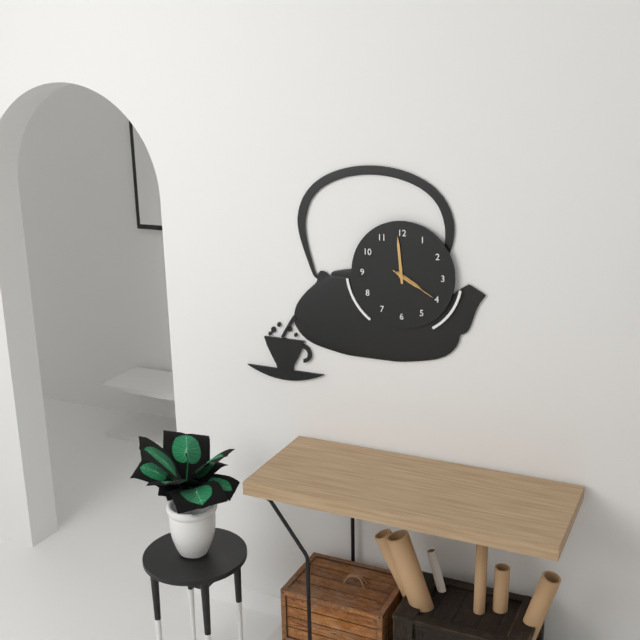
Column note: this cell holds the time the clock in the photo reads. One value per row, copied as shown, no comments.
3:59
